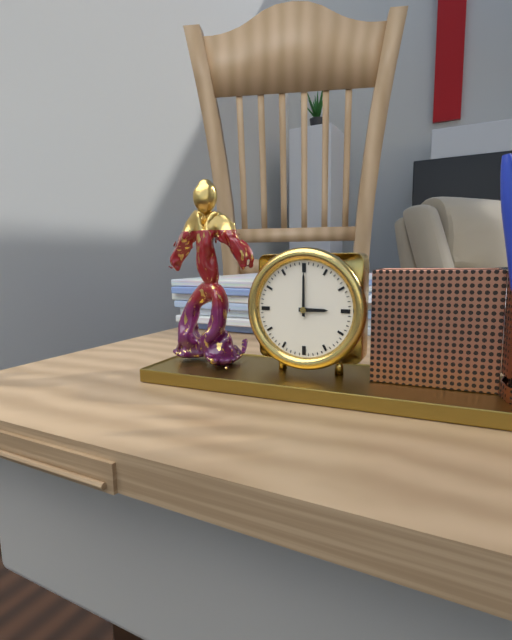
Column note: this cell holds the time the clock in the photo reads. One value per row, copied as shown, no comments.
3:00
